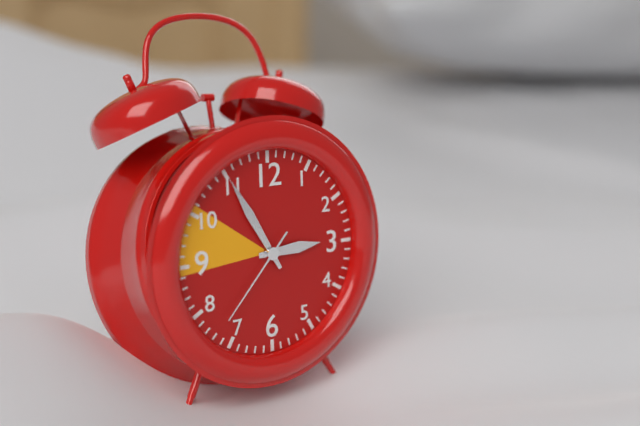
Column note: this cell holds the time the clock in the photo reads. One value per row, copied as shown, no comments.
2:55:37
